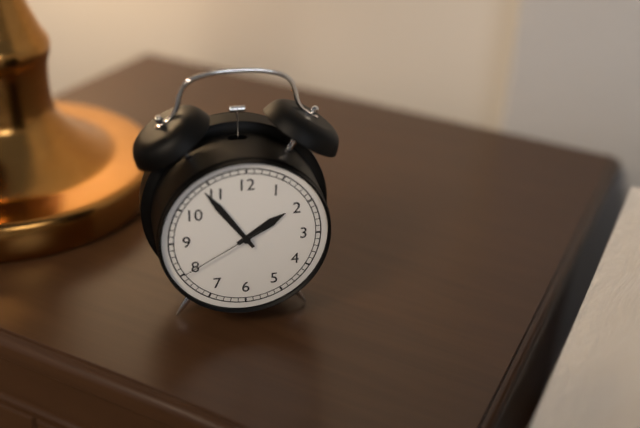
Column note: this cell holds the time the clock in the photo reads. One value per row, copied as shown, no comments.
1:54:40
